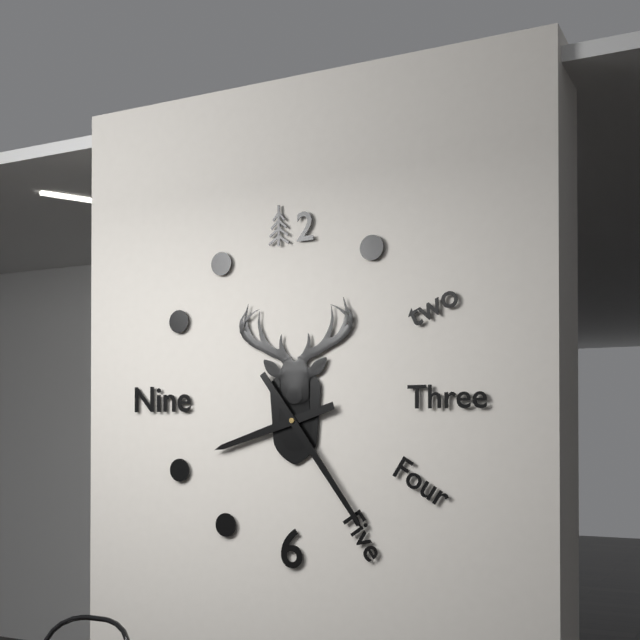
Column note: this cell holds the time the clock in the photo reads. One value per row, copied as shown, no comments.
8:24
